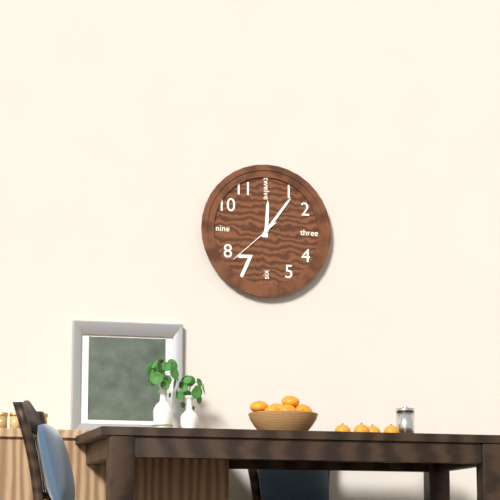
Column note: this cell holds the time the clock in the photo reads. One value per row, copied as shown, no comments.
12:06:38
